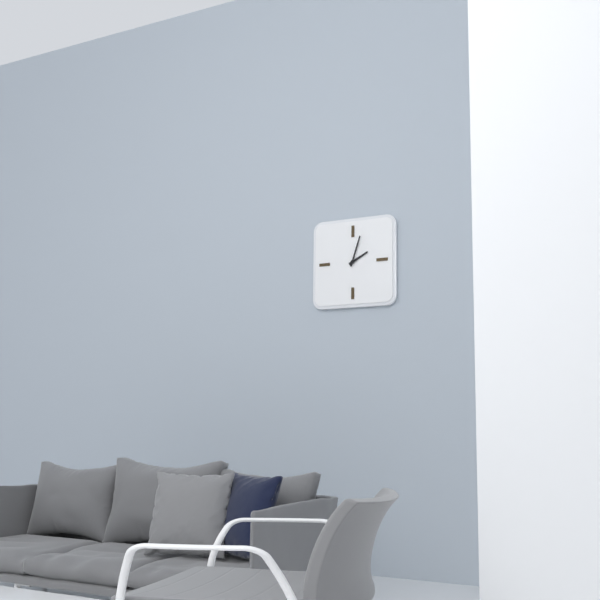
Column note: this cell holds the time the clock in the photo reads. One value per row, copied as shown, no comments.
2:03
